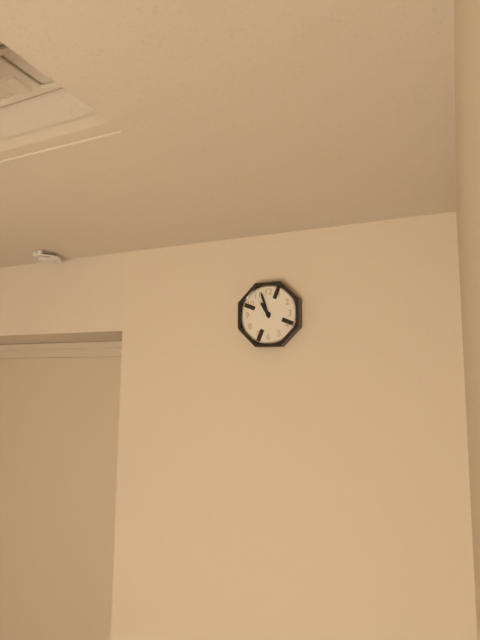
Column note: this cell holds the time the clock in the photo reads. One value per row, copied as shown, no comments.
10:57
